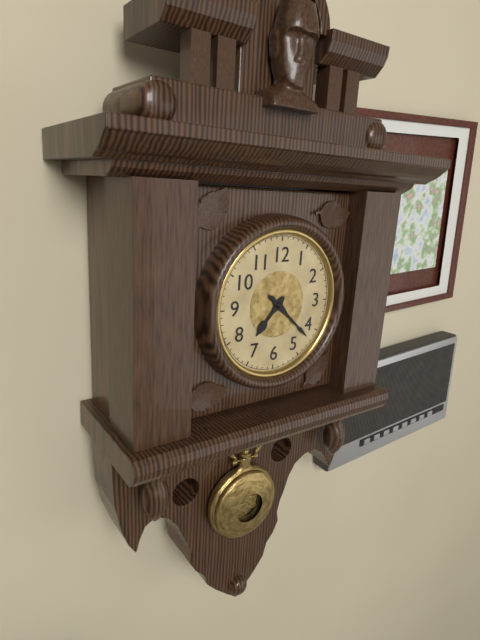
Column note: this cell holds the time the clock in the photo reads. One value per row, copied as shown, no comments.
7:22
